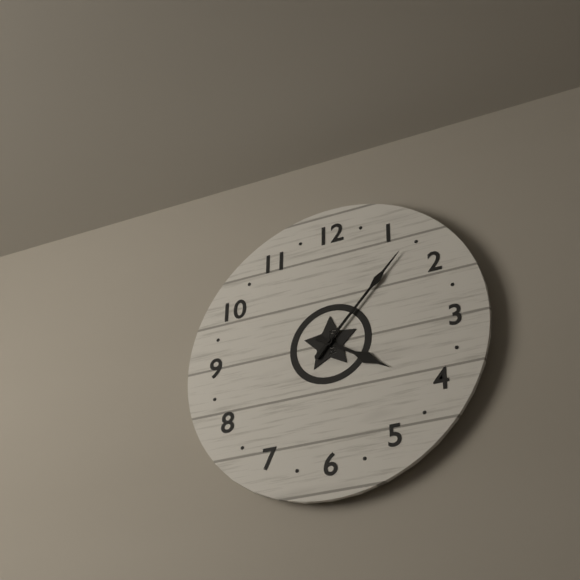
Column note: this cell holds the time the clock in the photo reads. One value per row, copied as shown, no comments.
4:07
